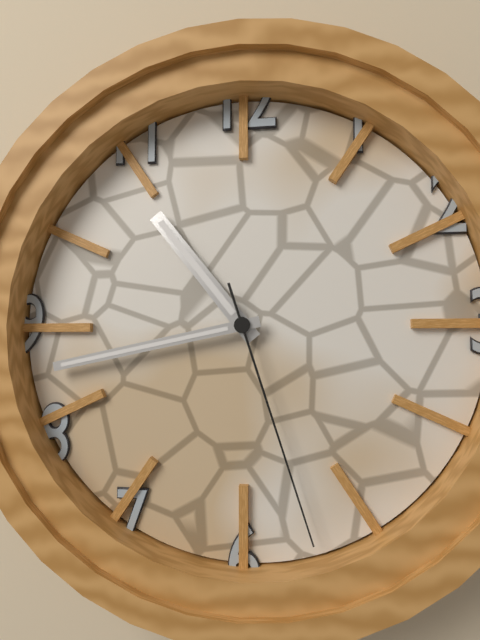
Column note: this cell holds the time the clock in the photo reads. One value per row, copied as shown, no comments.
10:43:27
